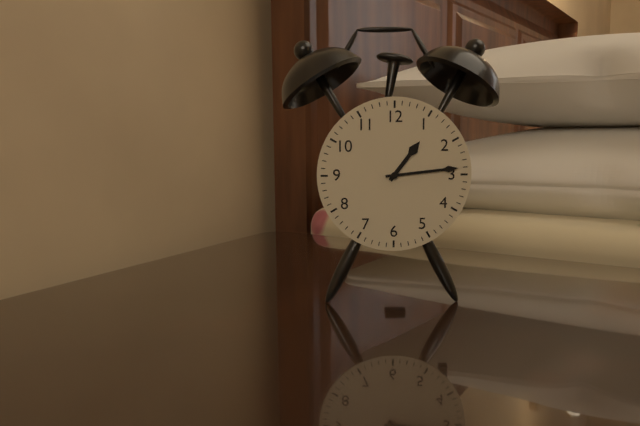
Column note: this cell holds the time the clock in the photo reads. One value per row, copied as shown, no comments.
1:14
